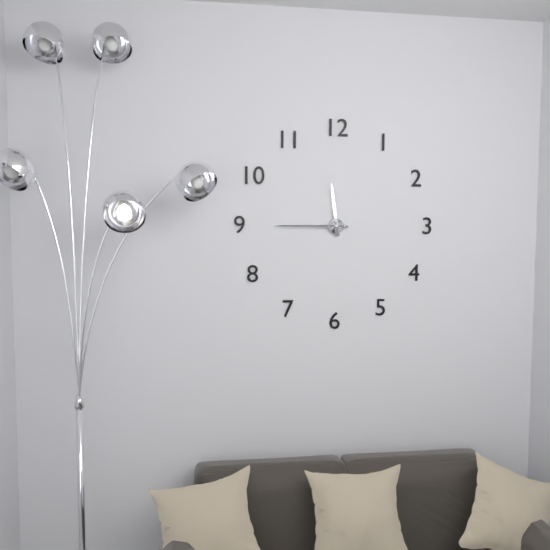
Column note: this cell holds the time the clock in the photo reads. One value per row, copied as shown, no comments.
11:45
